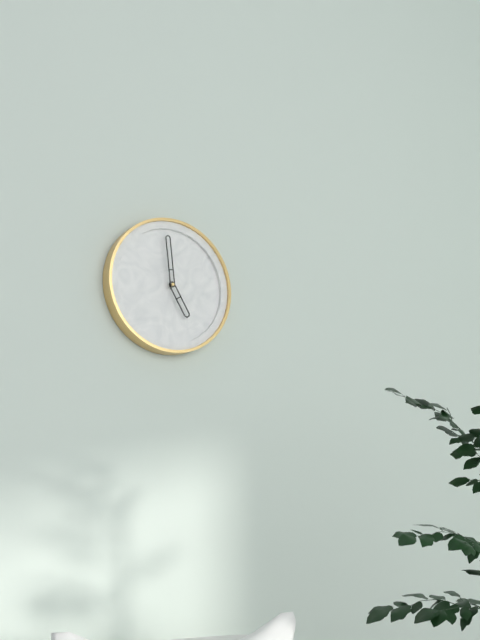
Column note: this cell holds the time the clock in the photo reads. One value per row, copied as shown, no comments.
4:59
